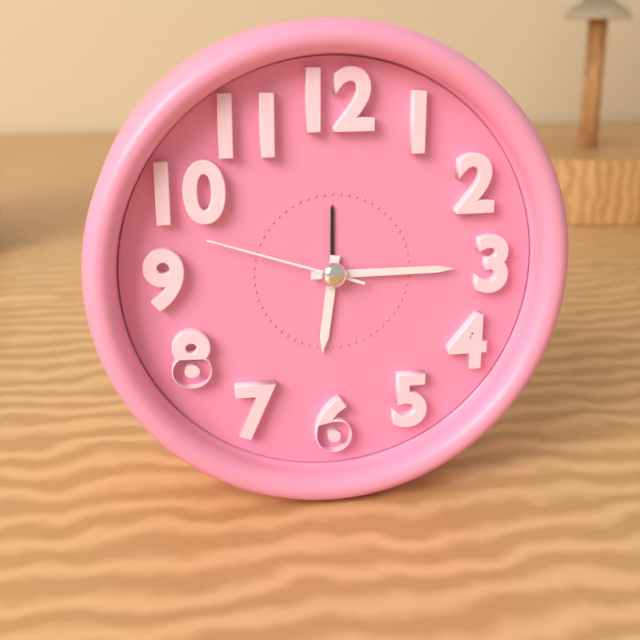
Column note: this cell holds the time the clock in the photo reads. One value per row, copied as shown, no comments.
6:15:48
